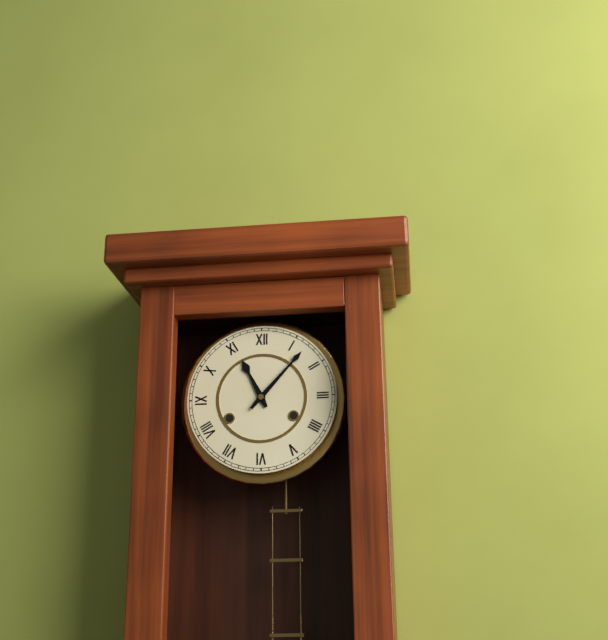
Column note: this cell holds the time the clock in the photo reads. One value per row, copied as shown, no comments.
11:07
